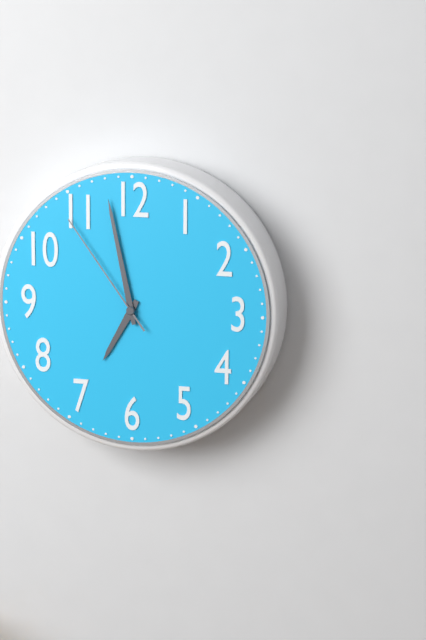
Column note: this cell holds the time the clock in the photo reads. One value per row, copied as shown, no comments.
6:58:54
